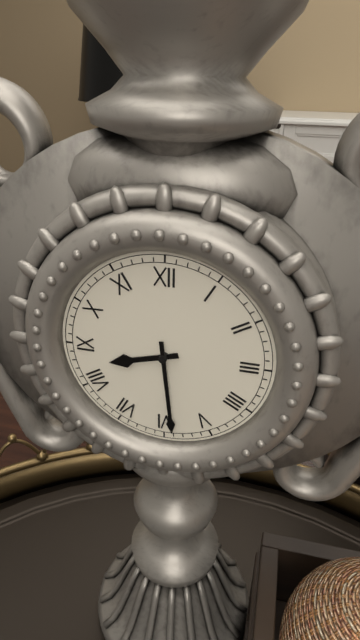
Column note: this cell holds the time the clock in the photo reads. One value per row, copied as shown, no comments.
8:29
